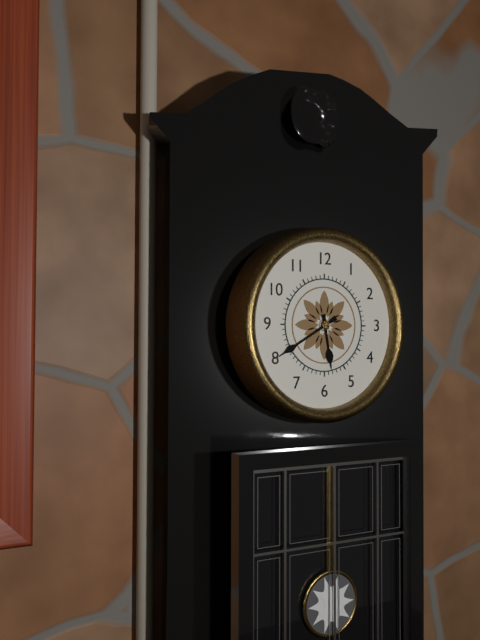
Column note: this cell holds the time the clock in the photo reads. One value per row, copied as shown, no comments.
5:40
